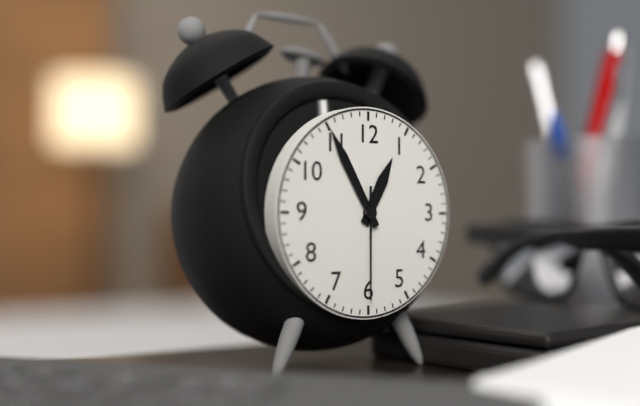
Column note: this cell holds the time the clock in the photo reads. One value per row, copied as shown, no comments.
12:55:30
